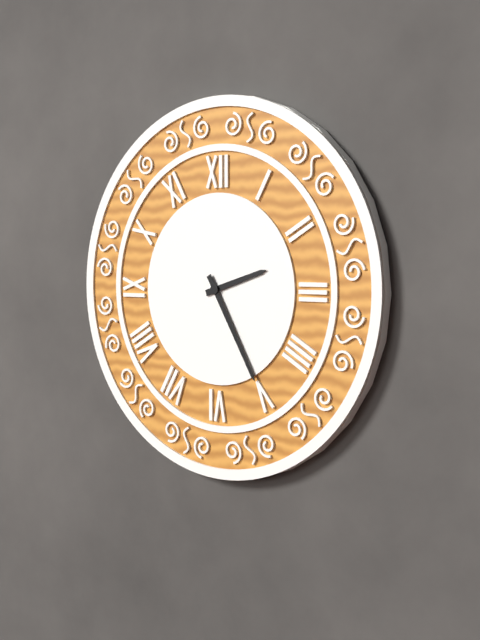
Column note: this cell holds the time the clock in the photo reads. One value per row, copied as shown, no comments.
2:25
